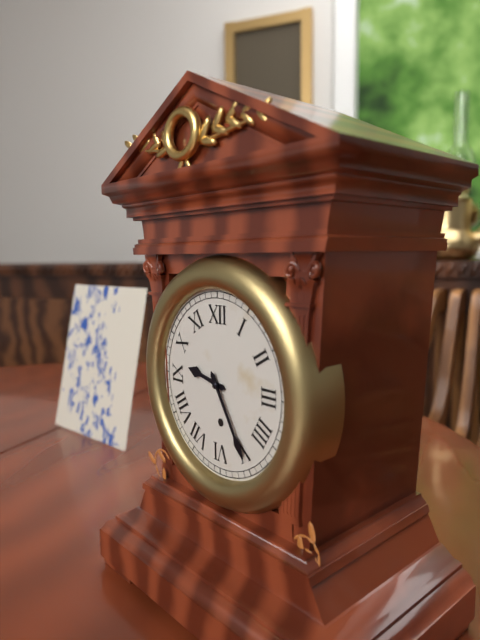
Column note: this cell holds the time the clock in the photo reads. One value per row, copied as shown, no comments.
9:25
